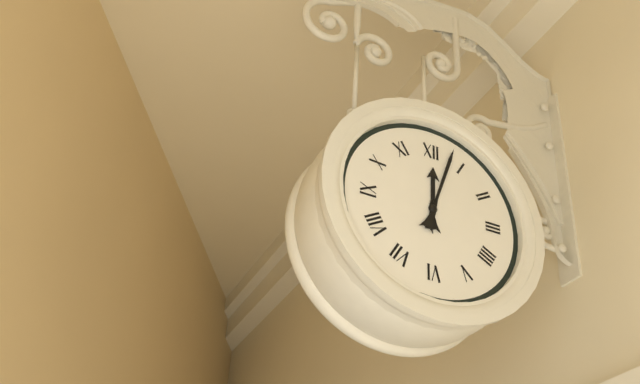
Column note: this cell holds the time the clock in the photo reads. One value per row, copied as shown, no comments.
12:03
